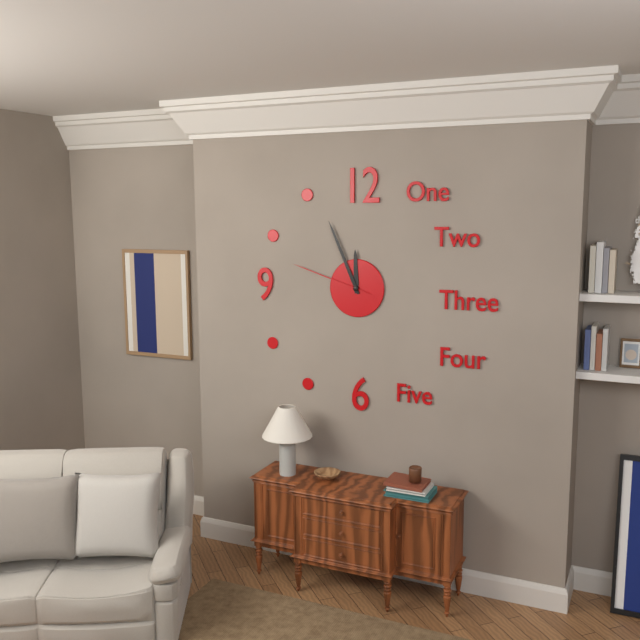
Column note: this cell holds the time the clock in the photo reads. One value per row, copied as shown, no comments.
11:56:48
